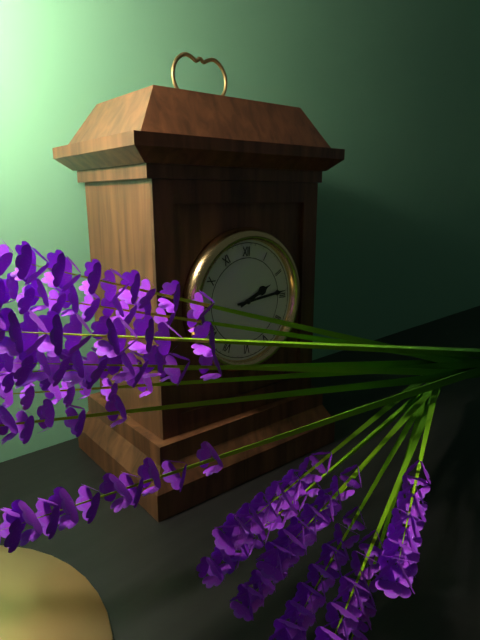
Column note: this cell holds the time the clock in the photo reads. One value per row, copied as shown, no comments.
2:14
